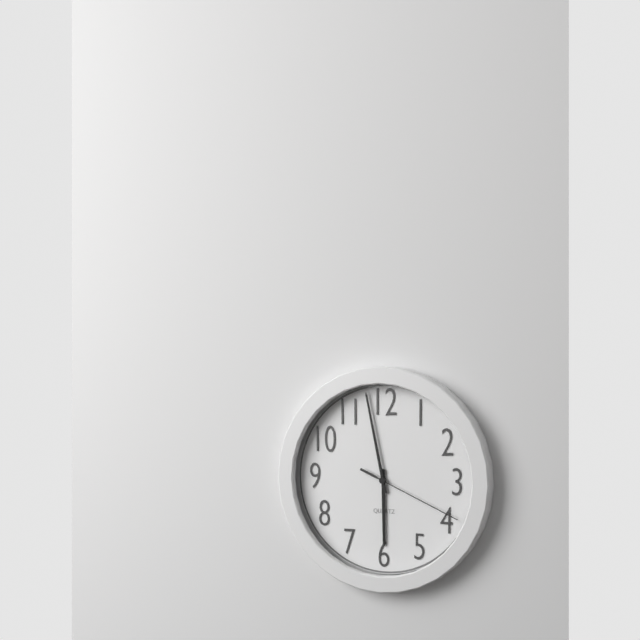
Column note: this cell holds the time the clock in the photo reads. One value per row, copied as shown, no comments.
5:58:19
